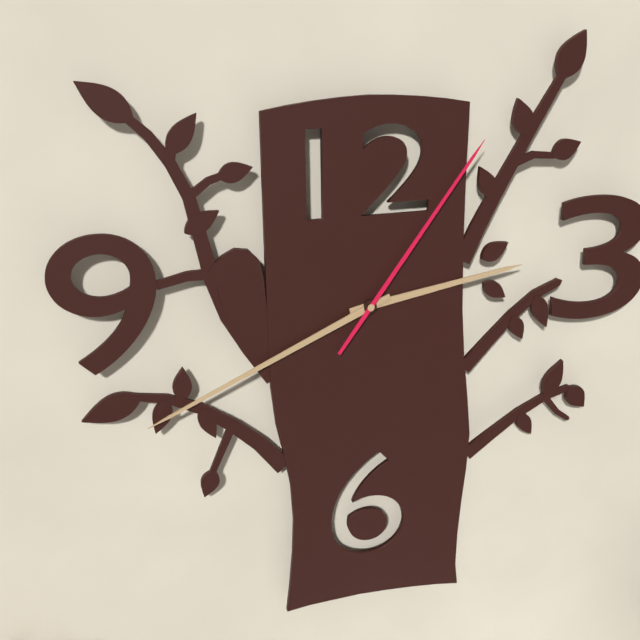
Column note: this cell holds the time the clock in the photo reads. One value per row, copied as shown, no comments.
2:41:06
